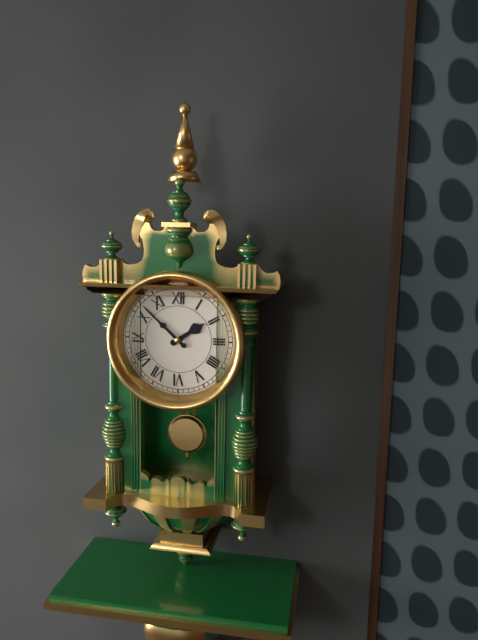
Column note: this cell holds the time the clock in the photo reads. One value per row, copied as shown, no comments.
1:52
